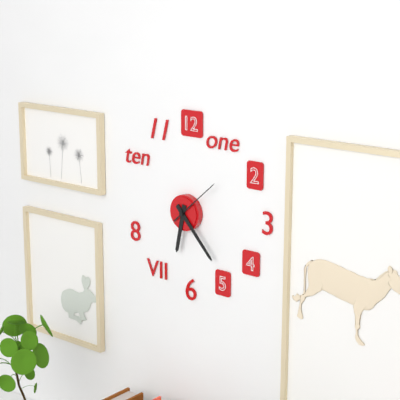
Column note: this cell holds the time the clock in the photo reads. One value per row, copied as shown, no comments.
6:23
